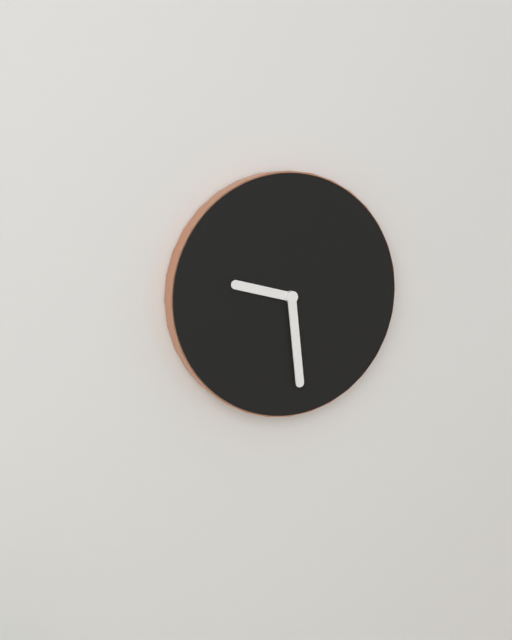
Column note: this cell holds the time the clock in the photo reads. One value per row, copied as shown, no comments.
9:29
